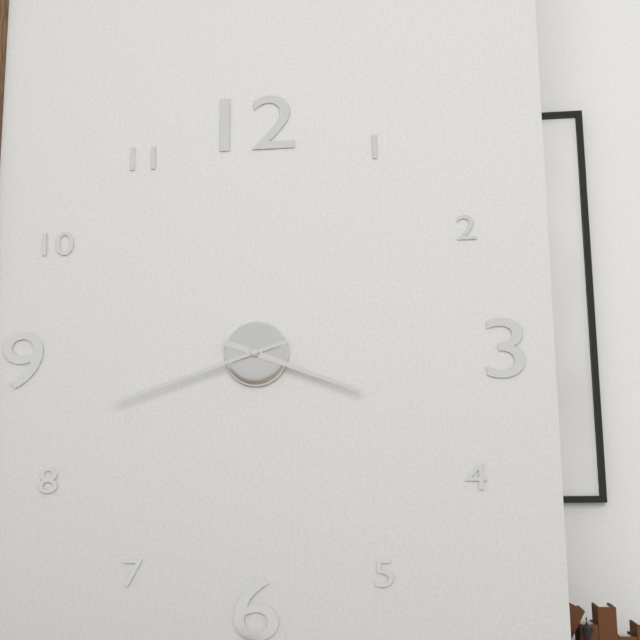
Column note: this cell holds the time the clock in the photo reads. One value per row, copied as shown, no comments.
3:42
